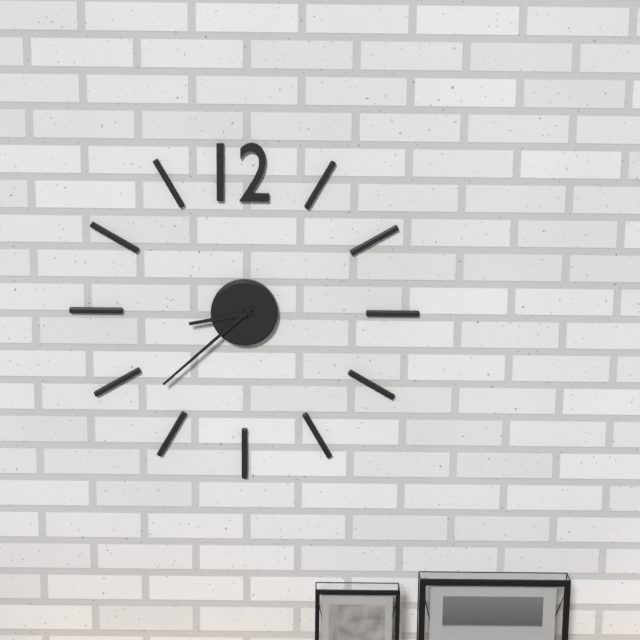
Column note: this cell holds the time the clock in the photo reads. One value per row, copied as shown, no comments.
8:38
